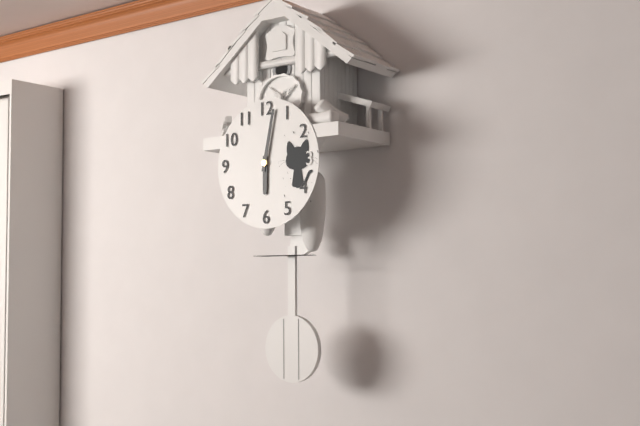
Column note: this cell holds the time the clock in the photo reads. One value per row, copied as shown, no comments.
6:02
